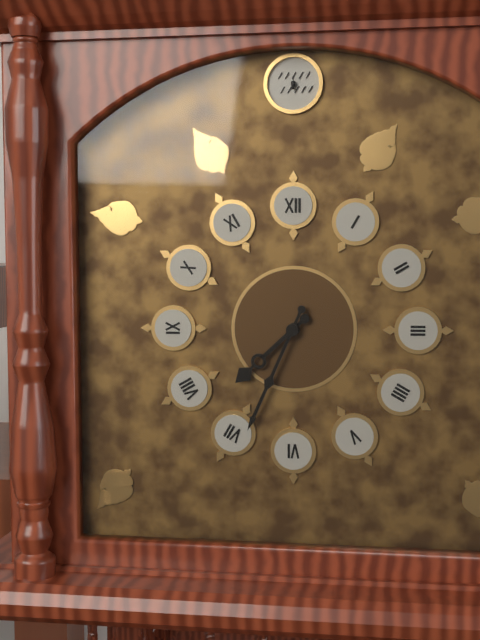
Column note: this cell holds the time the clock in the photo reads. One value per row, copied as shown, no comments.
7:34
